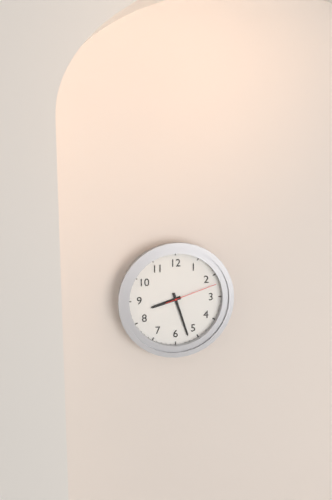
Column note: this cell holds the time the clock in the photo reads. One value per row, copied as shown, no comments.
8:27:12
